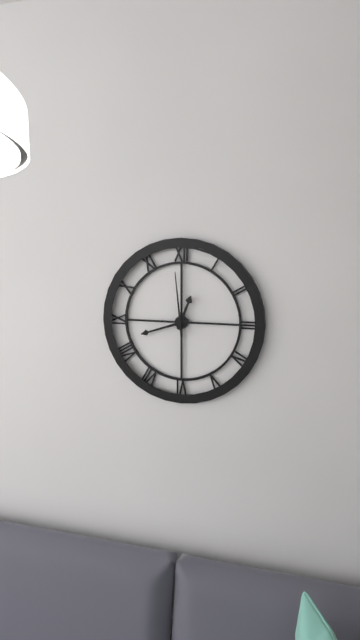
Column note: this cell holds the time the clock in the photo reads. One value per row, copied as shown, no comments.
12:42:59
